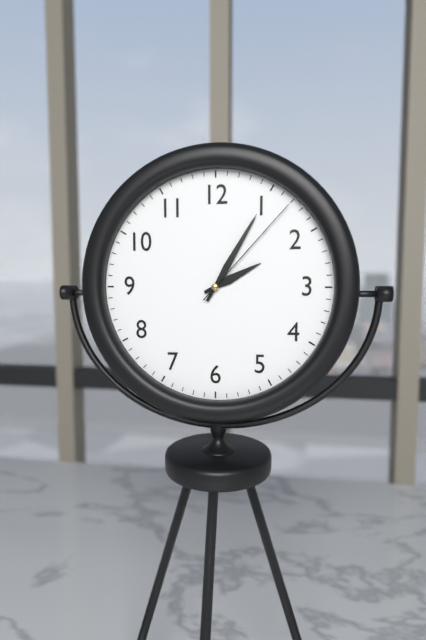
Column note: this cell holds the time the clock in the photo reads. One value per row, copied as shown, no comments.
2:05:07
